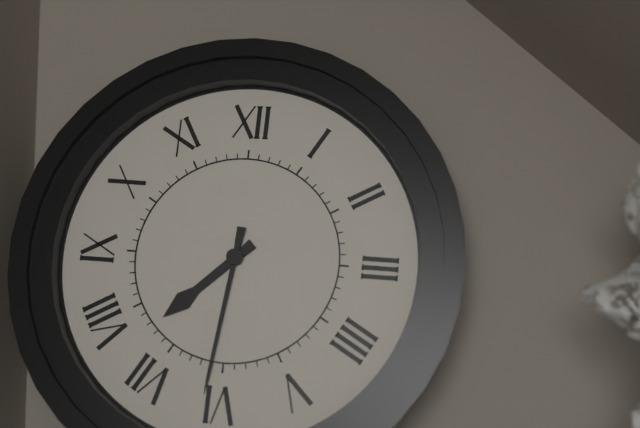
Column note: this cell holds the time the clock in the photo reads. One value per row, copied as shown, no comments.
7:31
